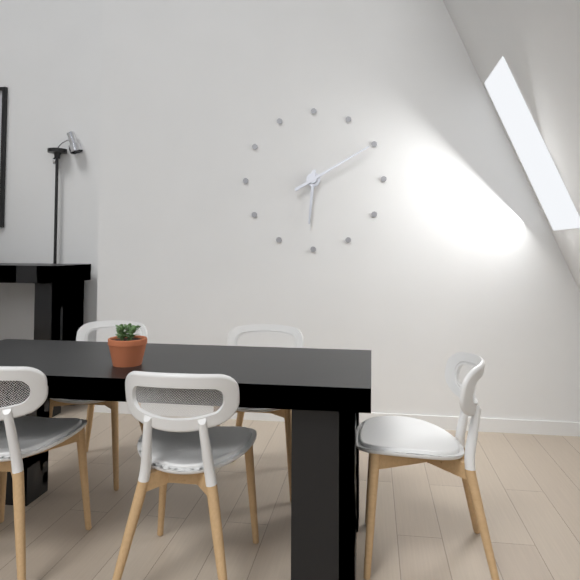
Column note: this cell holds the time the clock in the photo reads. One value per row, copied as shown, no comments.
6:10
